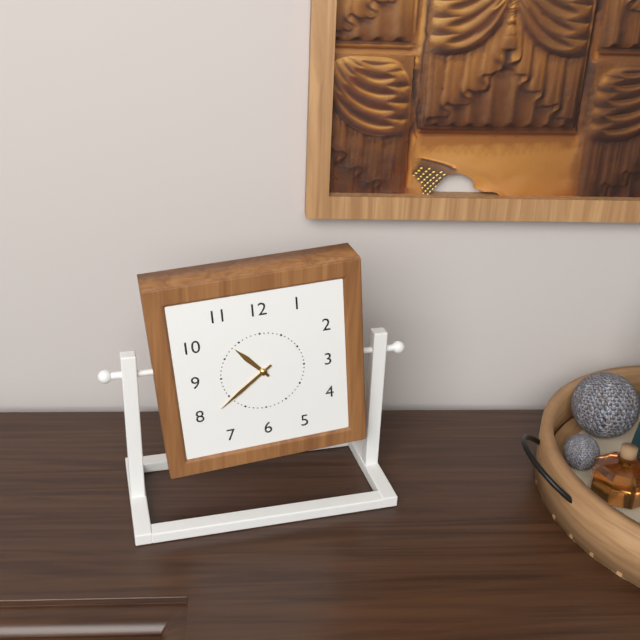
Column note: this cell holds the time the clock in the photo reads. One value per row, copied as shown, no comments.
10:39
